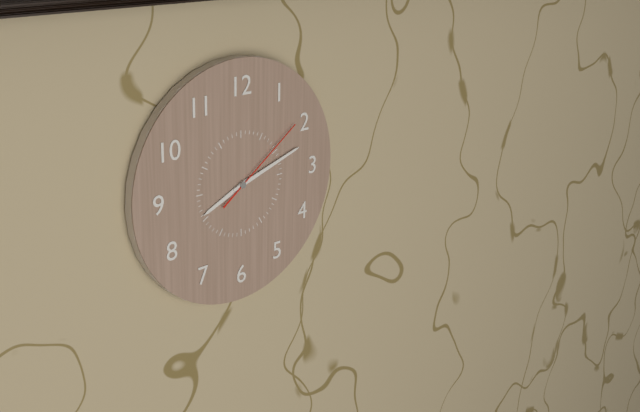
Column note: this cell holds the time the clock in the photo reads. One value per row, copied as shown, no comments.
8:12:09
